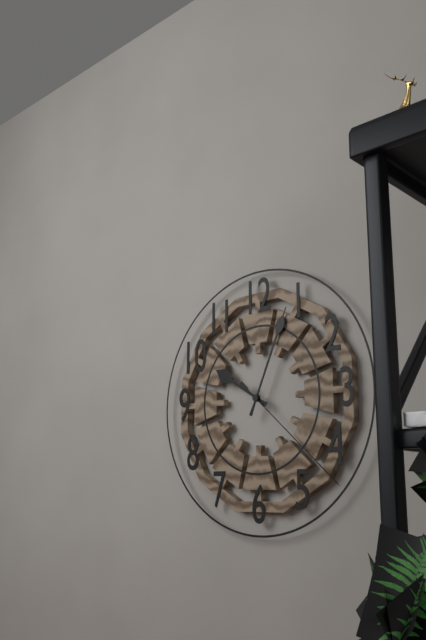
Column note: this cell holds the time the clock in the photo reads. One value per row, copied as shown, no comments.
10:04:22
